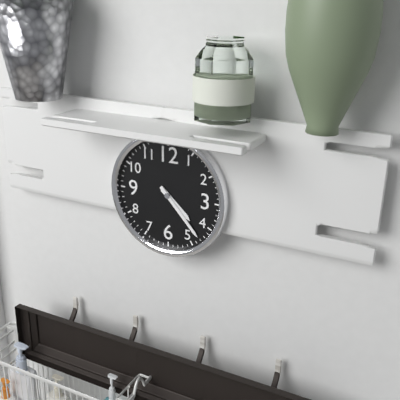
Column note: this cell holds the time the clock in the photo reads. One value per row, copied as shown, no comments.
4:23
